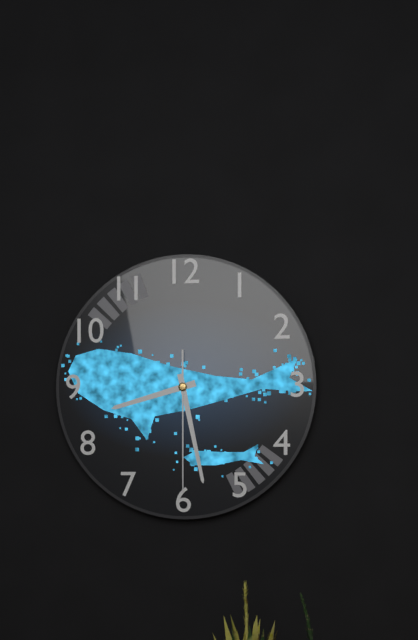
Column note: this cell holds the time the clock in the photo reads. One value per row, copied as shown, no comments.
8:28:30
